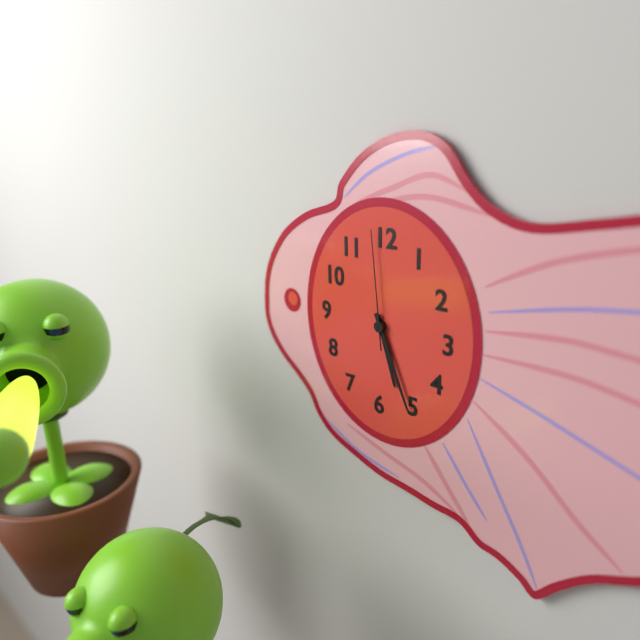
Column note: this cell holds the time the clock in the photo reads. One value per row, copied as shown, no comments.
5:26:59
